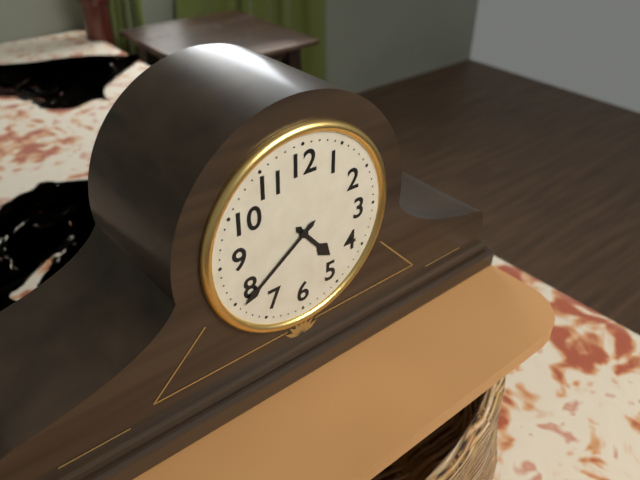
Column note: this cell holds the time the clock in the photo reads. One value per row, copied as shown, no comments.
4:39
